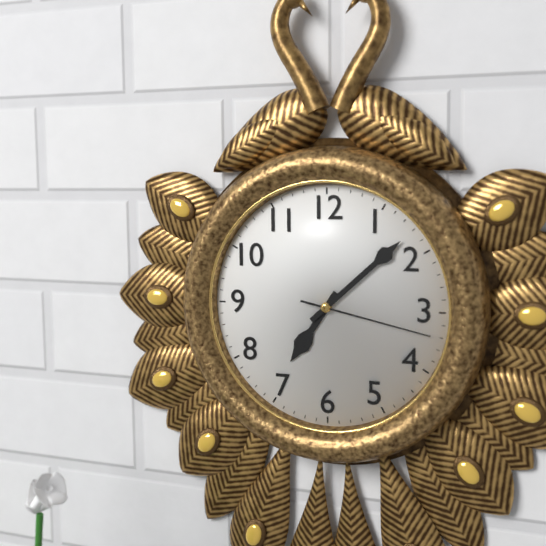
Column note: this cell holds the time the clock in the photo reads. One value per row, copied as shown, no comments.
7:08:17
